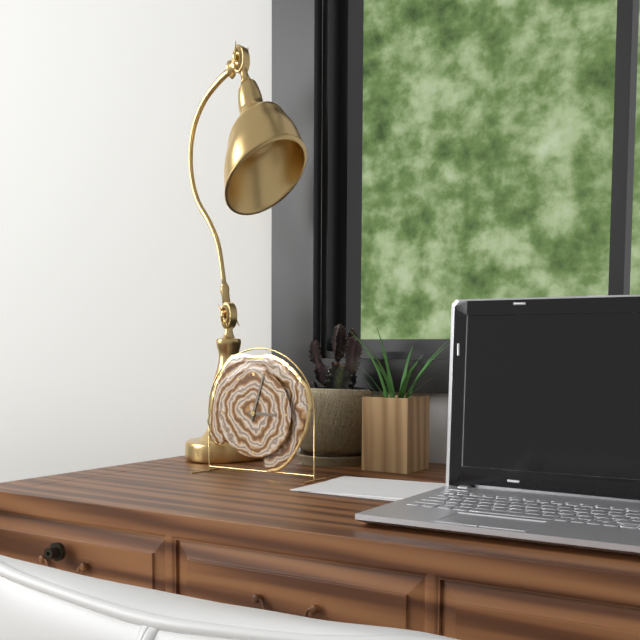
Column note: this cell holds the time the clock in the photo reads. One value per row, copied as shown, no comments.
3:03
